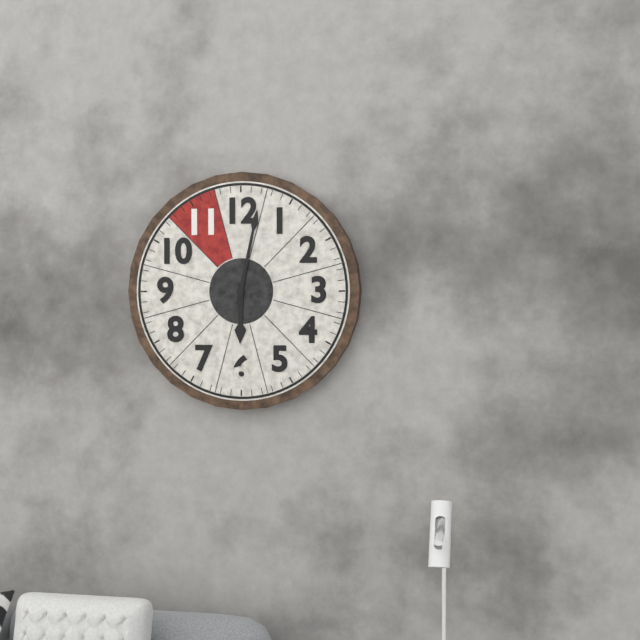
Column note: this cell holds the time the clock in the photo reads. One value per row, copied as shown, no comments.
6:02
